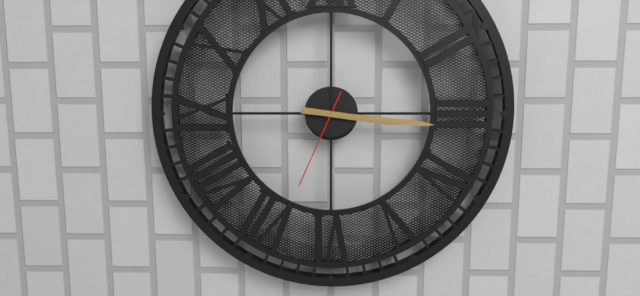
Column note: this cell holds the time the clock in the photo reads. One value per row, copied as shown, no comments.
3:16:34
